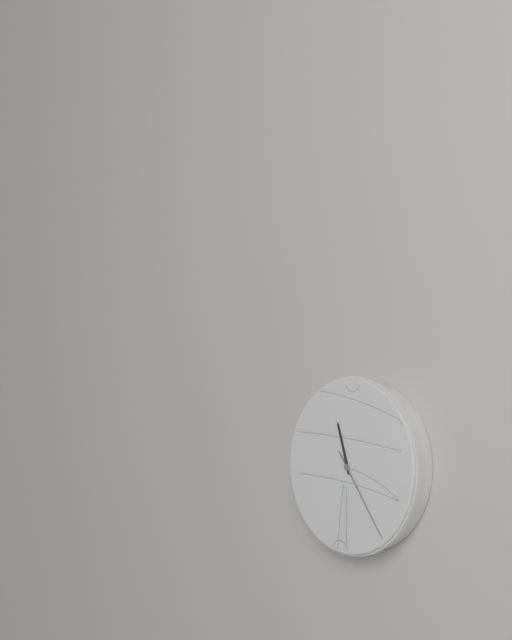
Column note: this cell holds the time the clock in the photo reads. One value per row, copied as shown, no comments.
11:24
